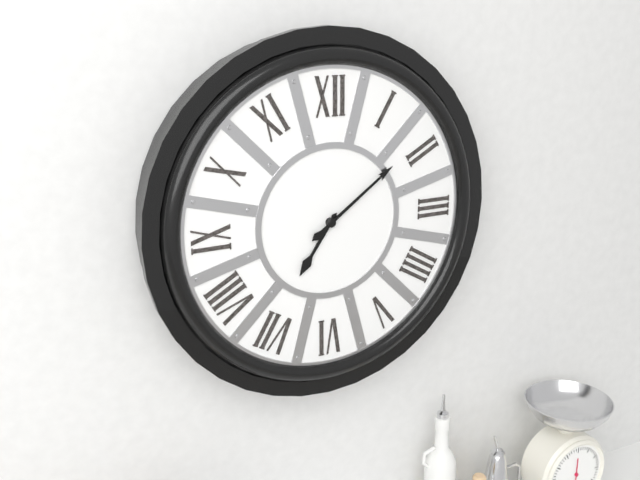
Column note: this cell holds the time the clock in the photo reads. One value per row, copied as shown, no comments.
7:09
